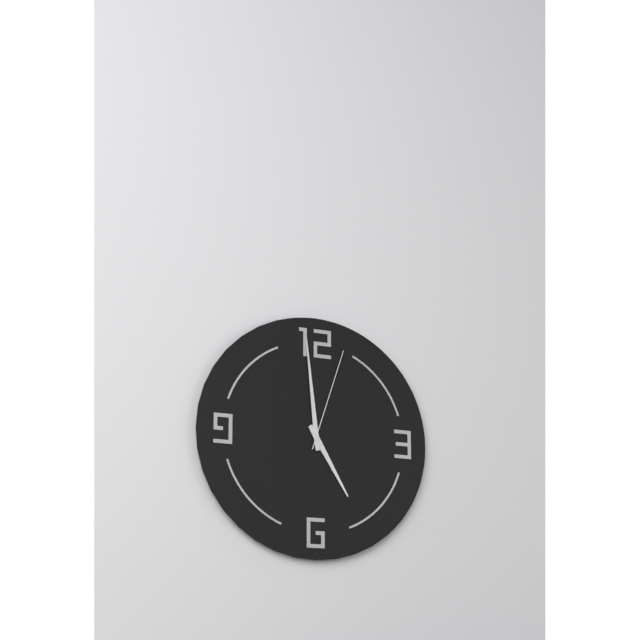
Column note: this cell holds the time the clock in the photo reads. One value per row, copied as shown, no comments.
4:59:03
